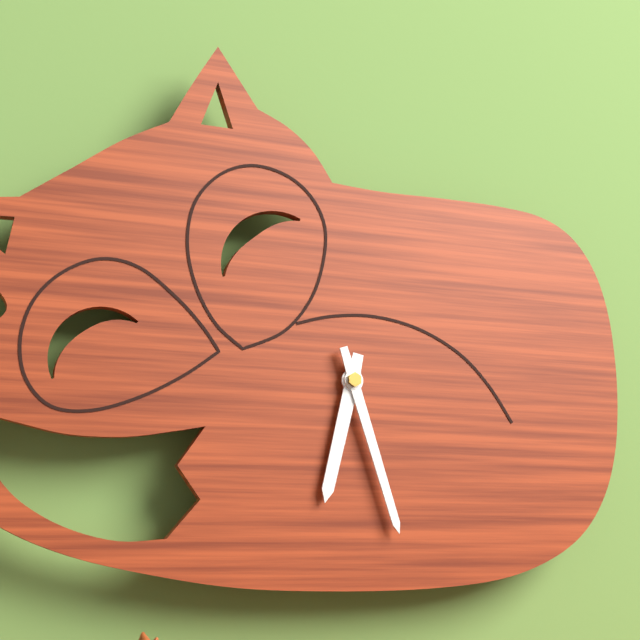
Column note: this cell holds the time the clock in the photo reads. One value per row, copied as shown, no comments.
6:27
